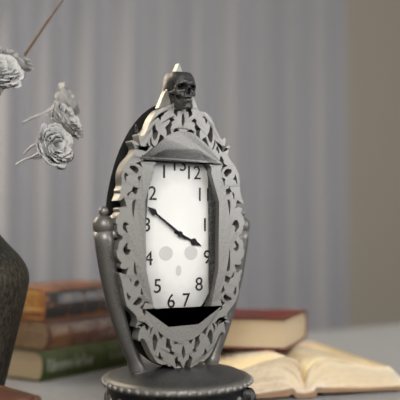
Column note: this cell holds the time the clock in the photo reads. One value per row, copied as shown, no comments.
3:51
